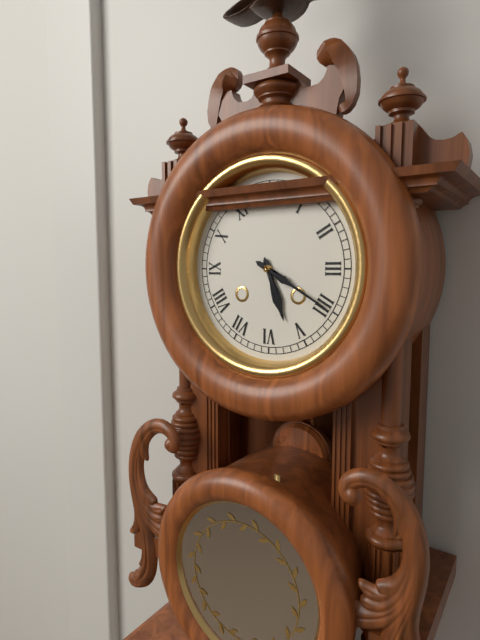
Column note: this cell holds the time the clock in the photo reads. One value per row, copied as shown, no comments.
5:20
